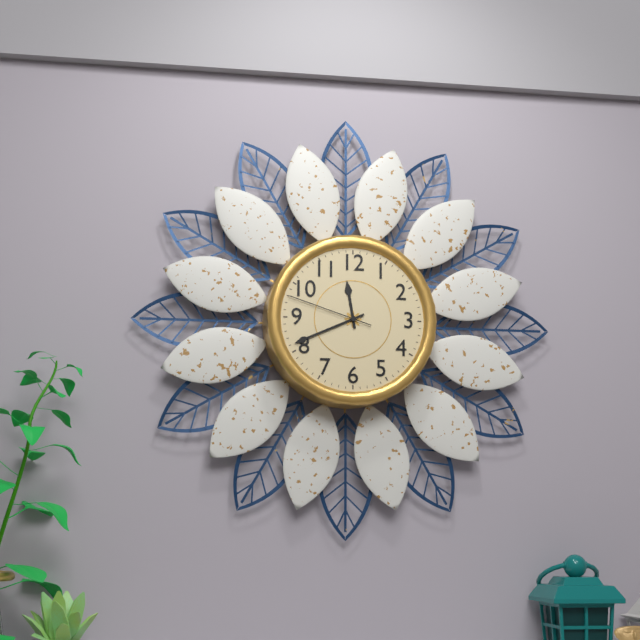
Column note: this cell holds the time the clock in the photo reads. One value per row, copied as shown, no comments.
11:41:48
